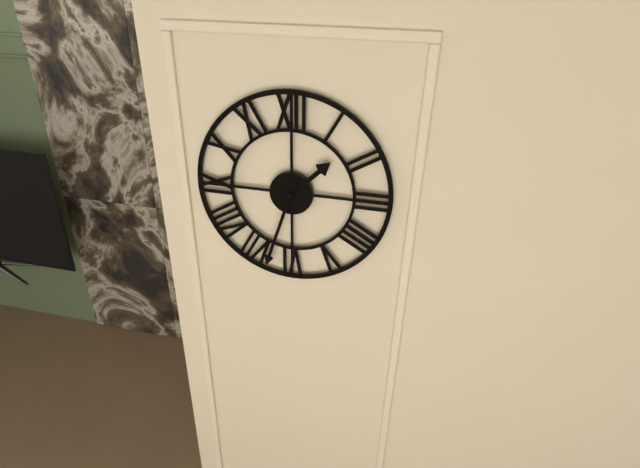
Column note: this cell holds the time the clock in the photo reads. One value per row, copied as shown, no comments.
1:33
